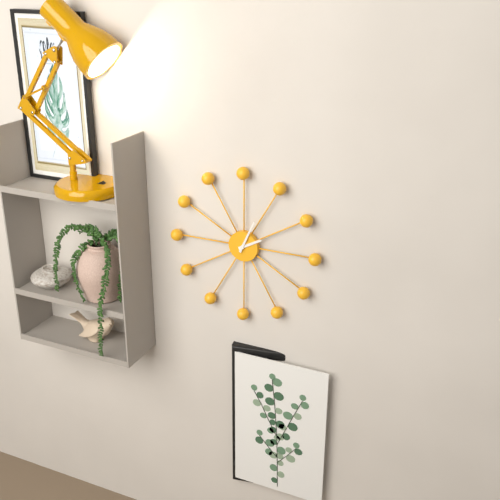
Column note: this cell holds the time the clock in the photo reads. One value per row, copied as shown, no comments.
2:04
